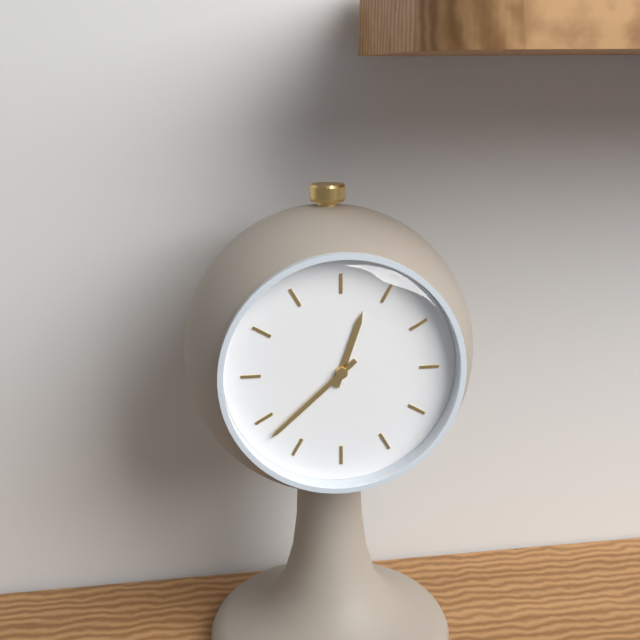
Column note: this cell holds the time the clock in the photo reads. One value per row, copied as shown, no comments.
12:38
